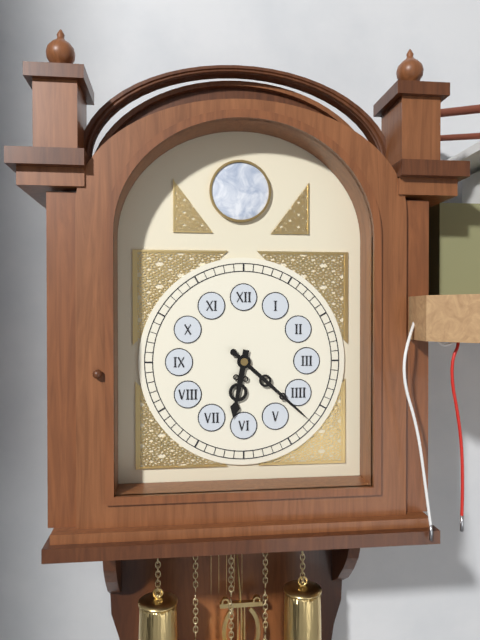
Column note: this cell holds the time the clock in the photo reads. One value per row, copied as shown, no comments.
6:22
